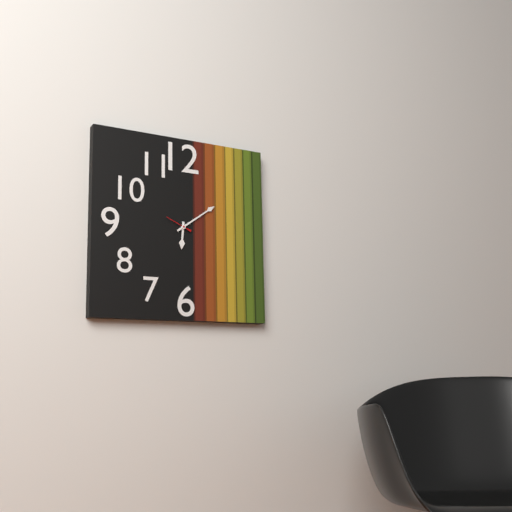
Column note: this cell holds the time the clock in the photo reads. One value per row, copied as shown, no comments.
6:09
